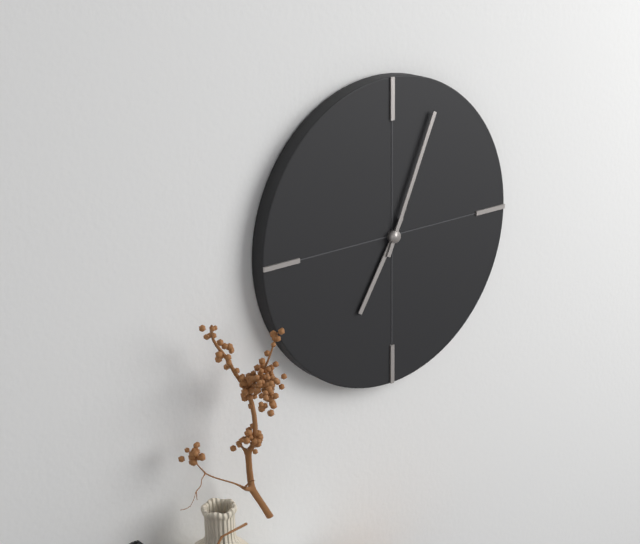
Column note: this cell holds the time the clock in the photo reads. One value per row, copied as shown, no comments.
7:04
